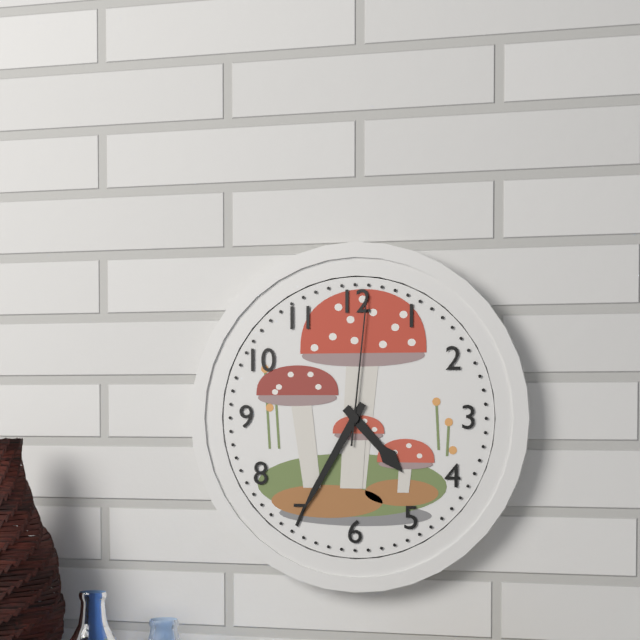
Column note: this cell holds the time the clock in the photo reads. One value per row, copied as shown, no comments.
4:35:01
